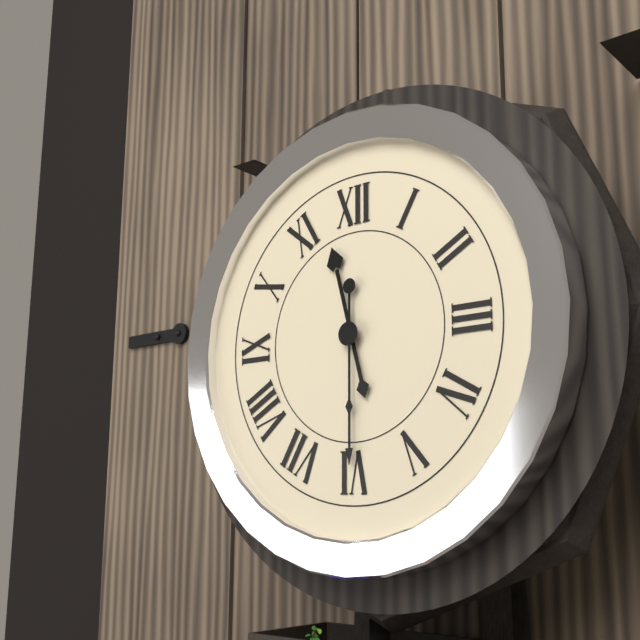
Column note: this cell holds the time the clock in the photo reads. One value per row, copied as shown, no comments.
11:30
